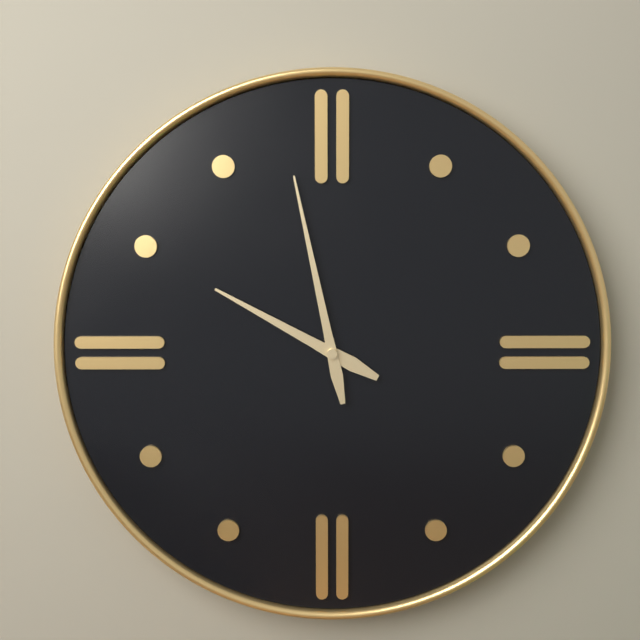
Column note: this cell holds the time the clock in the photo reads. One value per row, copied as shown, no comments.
9:58
